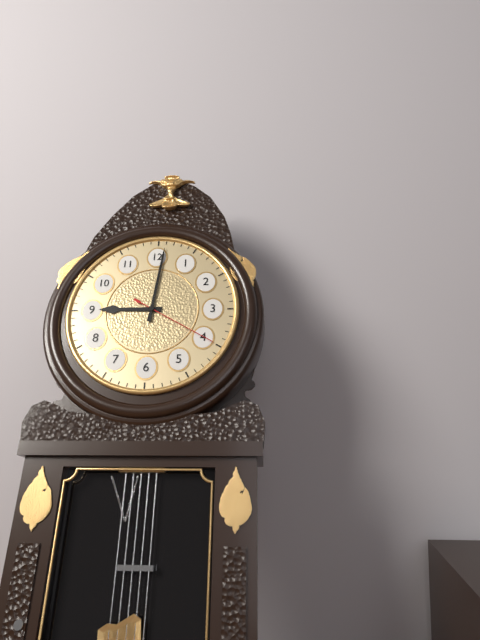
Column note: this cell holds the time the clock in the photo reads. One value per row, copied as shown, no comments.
9:01:20
